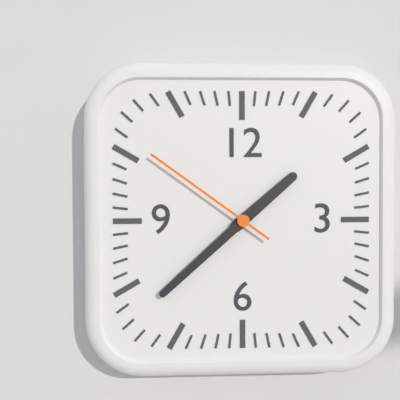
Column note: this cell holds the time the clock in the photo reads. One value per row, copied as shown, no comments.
1:38:51
